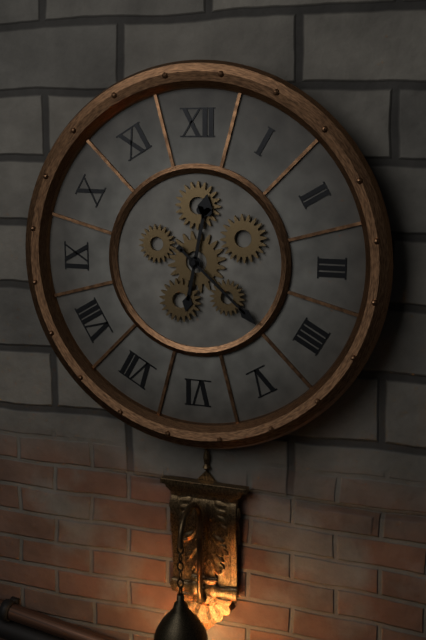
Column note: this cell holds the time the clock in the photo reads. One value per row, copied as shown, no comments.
12:22
